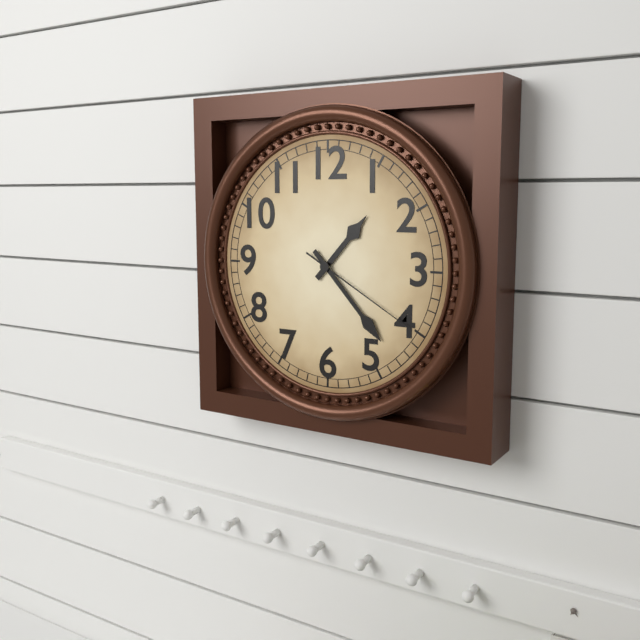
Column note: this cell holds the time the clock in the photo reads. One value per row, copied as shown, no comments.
1:23:20
